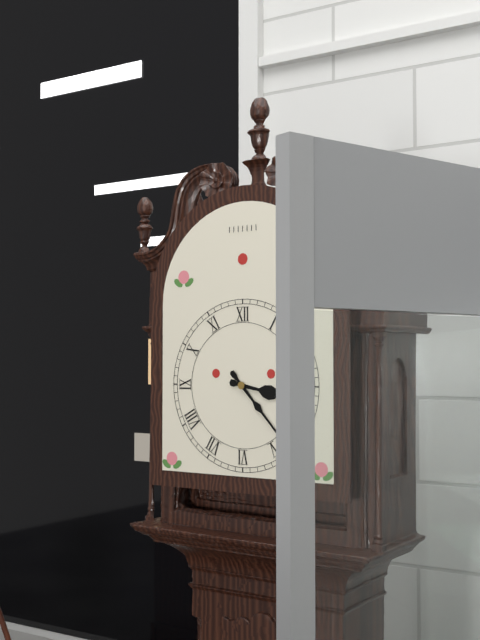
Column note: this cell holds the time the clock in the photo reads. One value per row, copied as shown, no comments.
3:23
